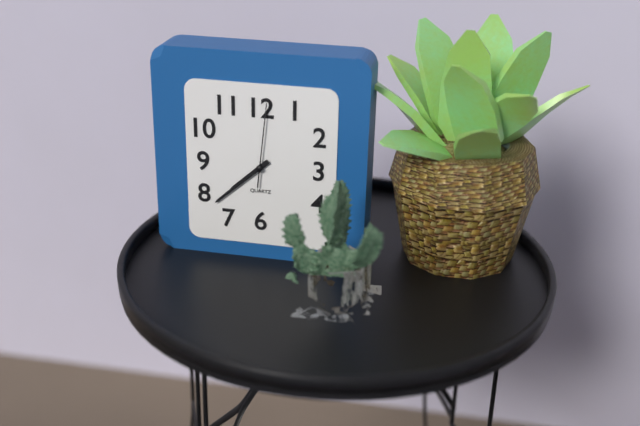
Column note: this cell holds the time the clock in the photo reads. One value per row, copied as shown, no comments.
7:38:01
